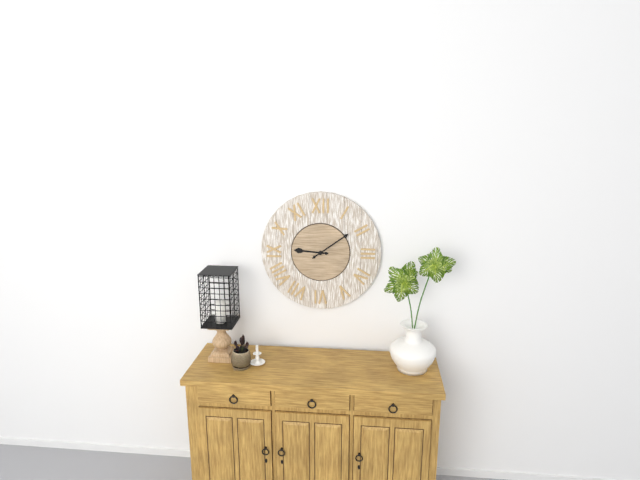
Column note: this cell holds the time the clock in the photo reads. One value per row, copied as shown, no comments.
9:09
